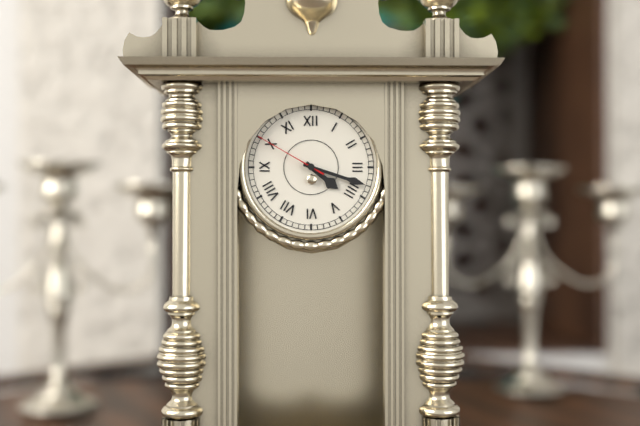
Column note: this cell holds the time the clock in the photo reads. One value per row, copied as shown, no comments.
4:18:50
